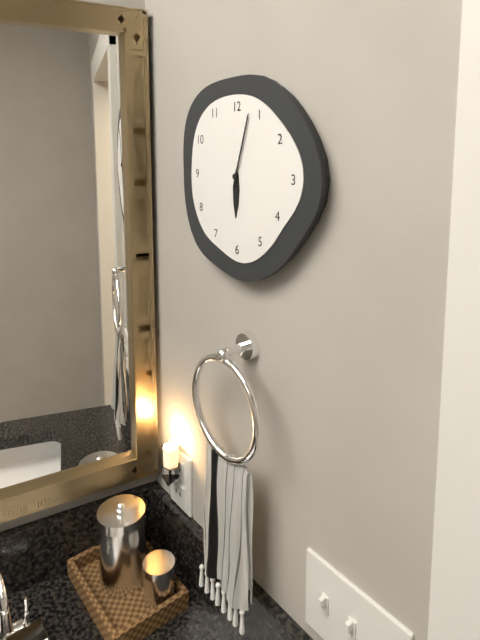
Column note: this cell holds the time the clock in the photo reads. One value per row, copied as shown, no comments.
6:03
